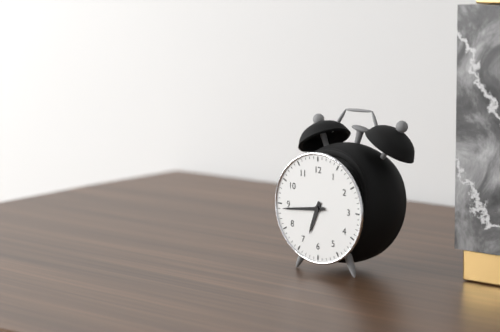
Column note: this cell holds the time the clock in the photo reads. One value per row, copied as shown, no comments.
6:44
